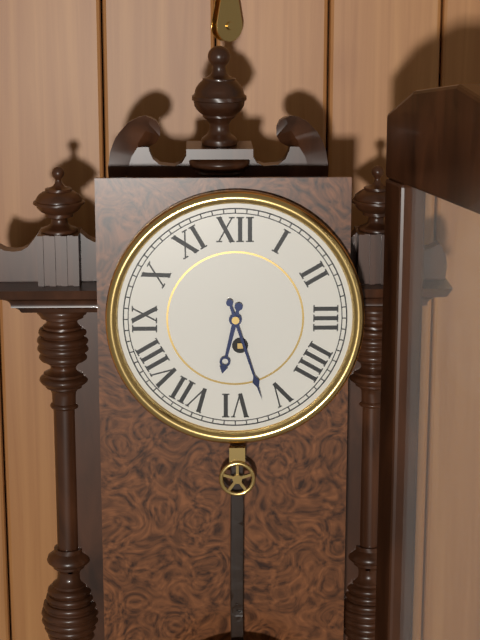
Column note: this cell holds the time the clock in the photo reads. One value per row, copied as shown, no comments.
6:27
